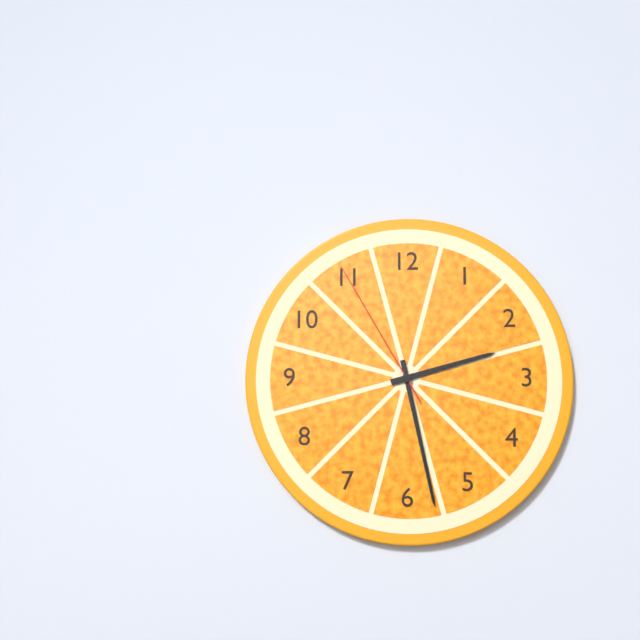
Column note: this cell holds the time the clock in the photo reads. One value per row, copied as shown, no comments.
2:28:55
